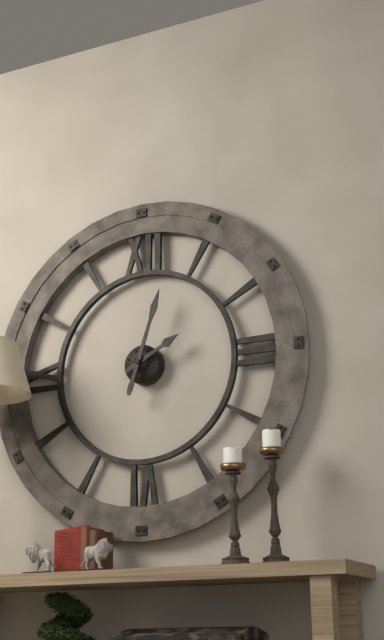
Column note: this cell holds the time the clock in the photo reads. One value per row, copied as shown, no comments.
2:03
